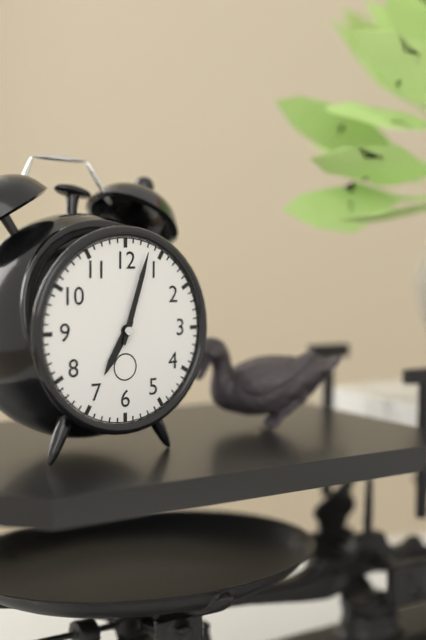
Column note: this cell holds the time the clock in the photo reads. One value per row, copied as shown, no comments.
7:03
